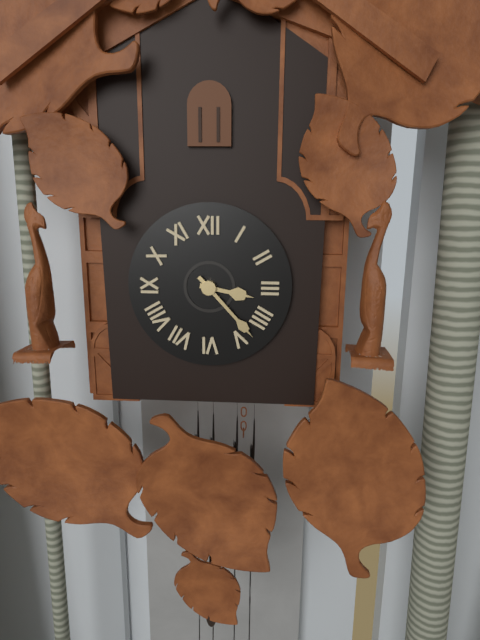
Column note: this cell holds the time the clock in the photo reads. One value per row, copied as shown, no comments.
3:23
